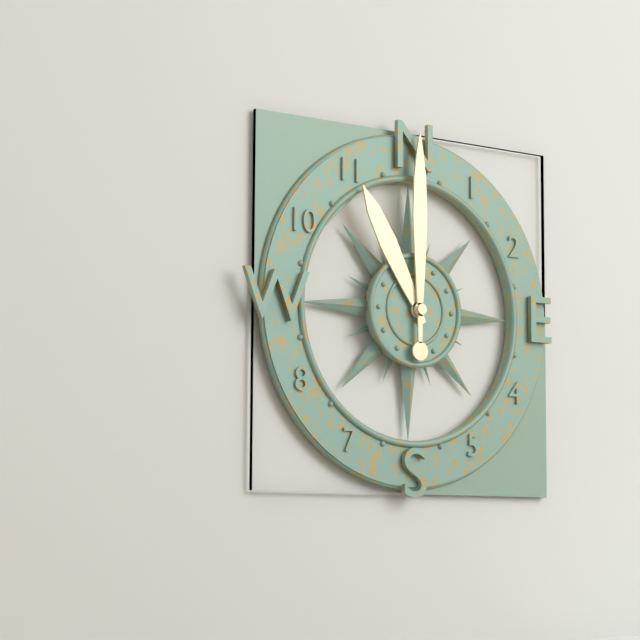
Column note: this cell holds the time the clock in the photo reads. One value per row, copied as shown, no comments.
11:00
